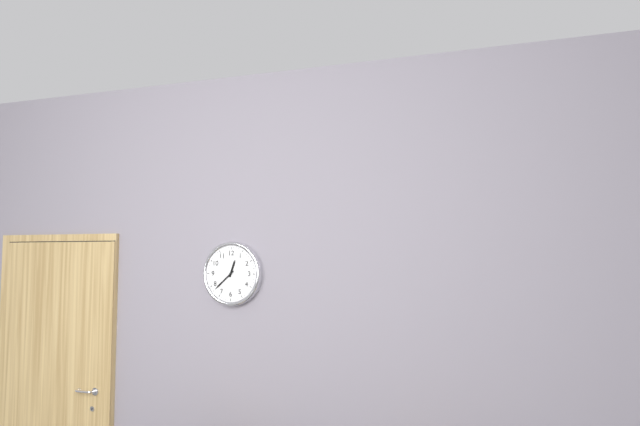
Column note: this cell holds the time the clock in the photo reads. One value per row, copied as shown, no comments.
12:38
